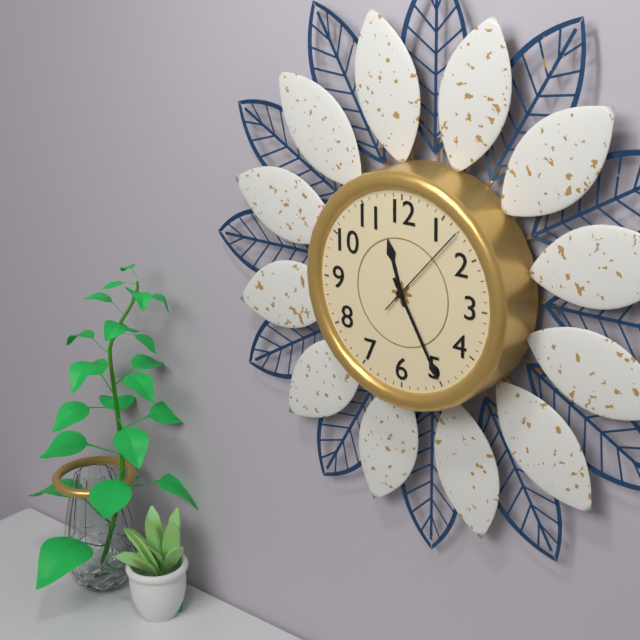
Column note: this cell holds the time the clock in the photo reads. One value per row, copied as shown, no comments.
11:25:07
